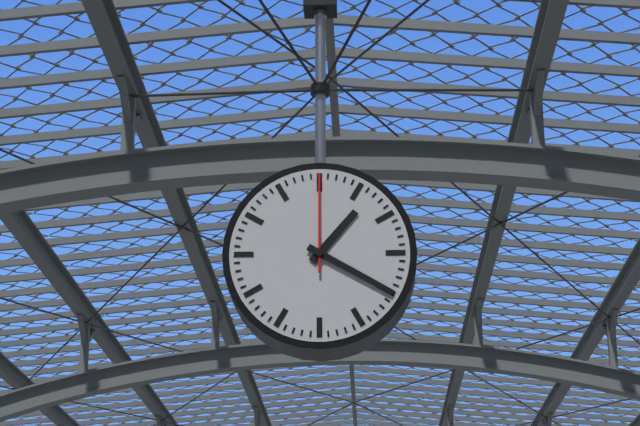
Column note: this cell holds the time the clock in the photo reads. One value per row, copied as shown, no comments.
1:20:00
